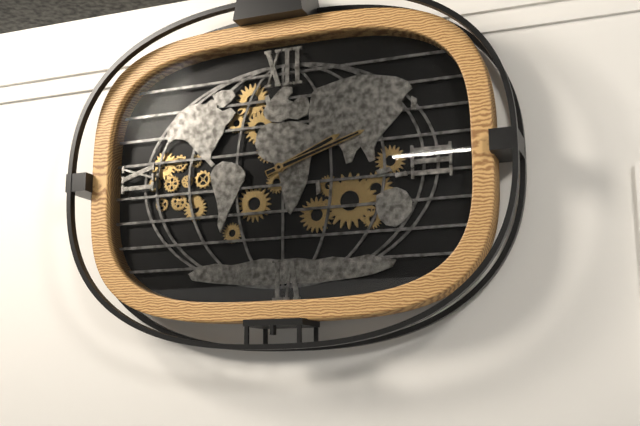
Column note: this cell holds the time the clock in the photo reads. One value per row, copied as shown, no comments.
2:12
